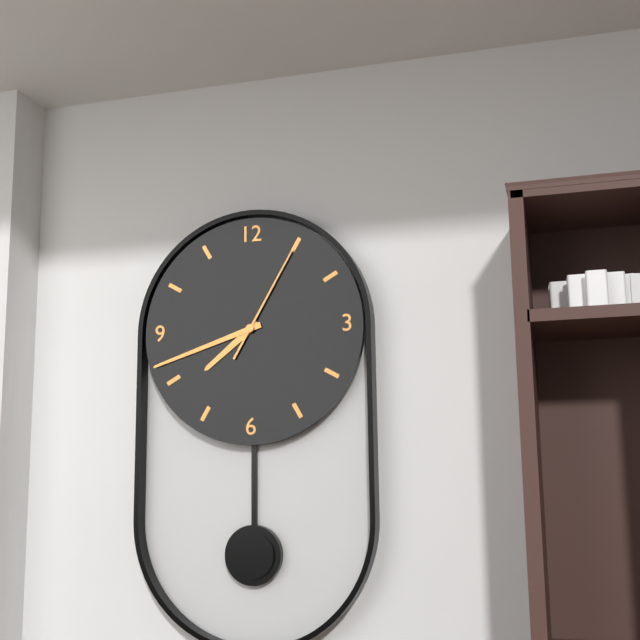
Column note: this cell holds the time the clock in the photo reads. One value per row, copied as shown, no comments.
7:42:05
